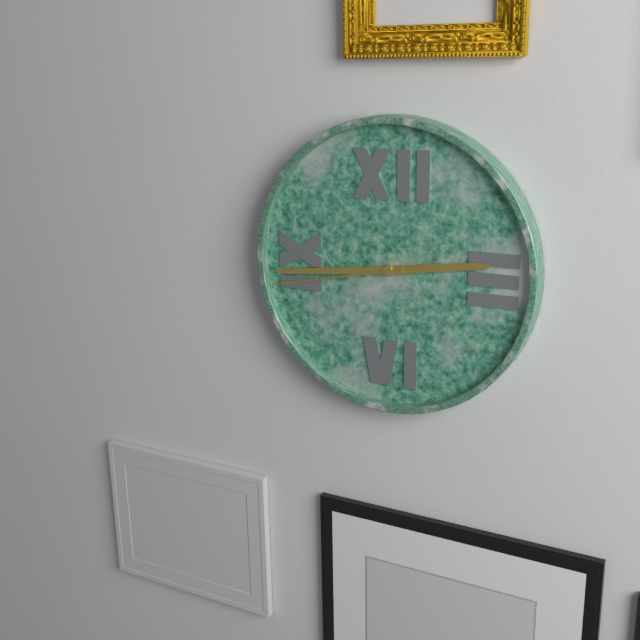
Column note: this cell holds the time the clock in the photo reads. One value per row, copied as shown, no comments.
2:44:43
